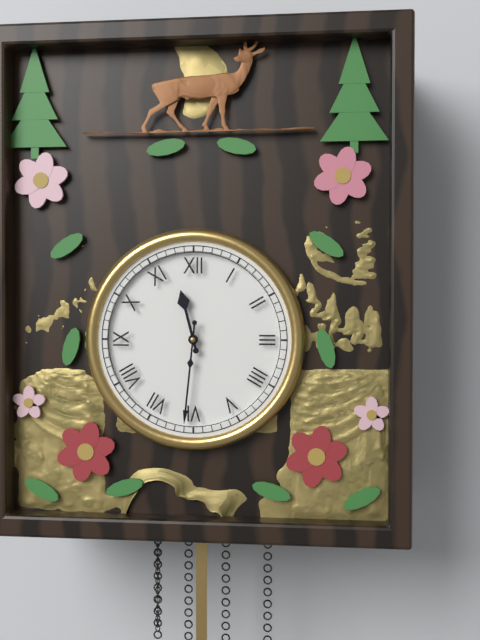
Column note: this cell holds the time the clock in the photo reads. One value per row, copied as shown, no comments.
11:31
